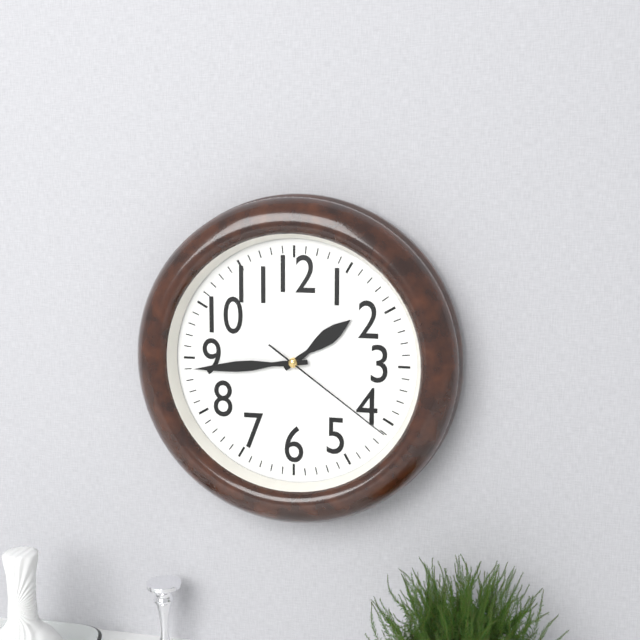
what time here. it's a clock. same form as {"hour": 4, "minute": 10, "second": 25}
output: {"hour": 1, "minute": 44, "second": 21}
